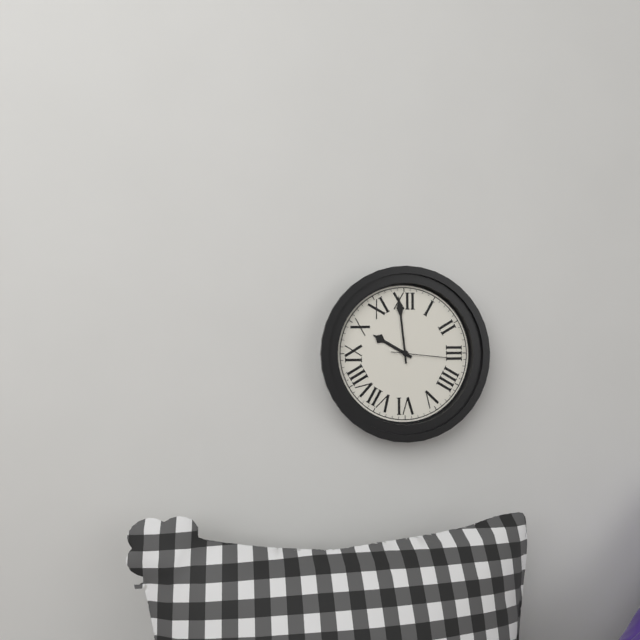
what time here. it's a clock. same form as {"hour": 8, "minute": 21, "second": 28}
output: {"hour": 9, "minute": 59, "second": 16}
